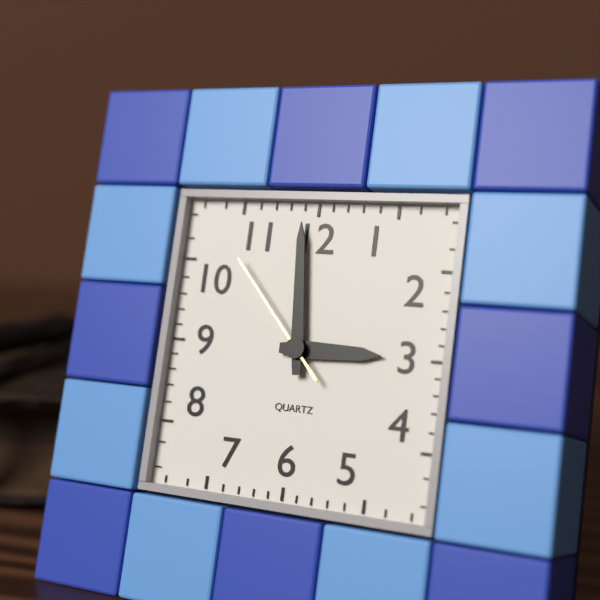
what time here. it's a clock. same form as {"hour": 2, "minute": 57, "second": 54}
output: {"hour": 2, "minute": 59, "second": 53}
